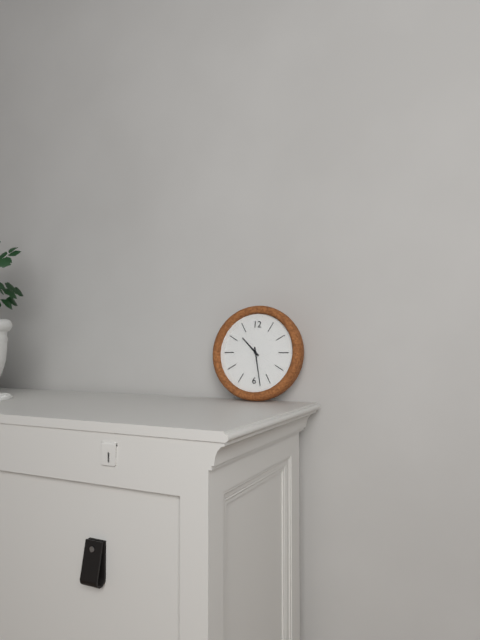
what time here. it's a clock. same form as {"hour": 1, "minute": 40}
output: {"hour": 10, "minute": 28}
